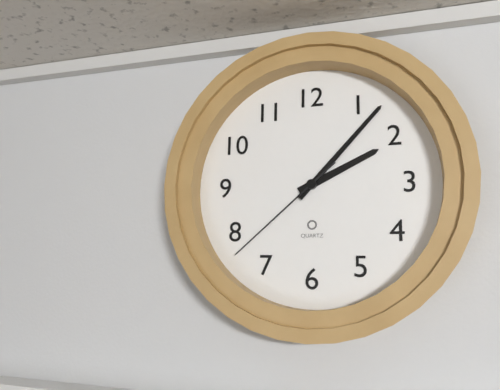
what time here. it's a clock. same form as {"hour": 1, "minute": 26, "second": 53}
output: {"hour": 2, "minute": 7, "second": 38}
